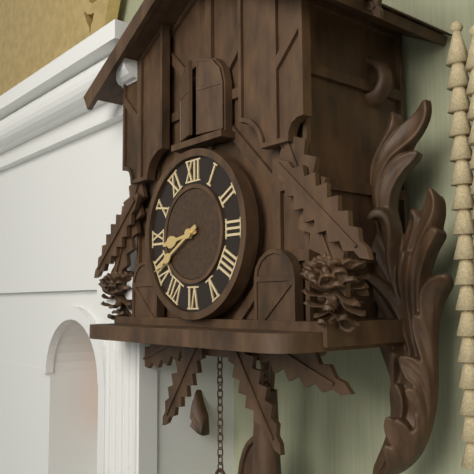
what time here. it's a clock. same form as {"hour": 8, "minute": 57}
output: {"hour": 8, "minute": 40}
